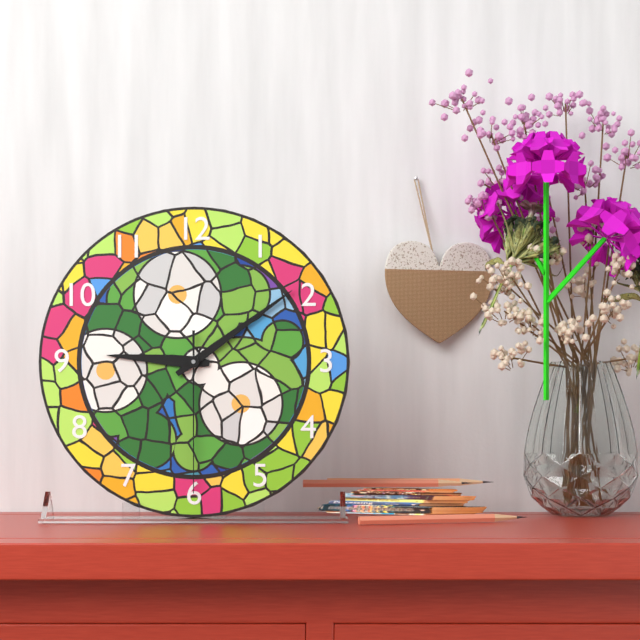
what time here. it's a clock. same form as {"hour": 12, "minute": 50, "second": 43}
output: {"hour": 9, "minute": 9, "second": 30}
